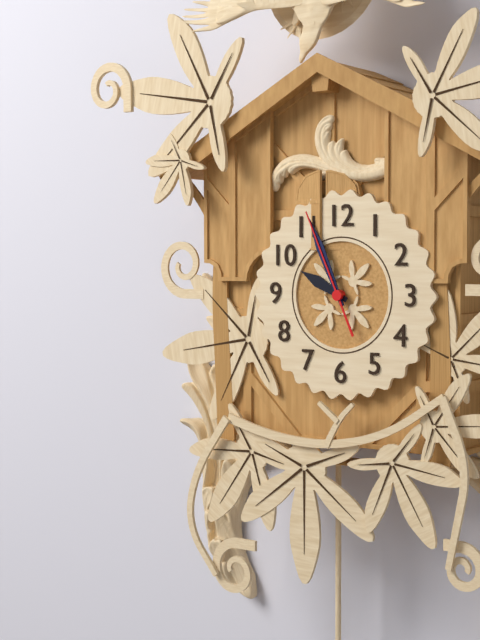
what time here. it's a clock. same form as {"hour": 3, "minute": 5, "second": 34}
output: {"hour": 9, "minute": 56, "second": 56}
